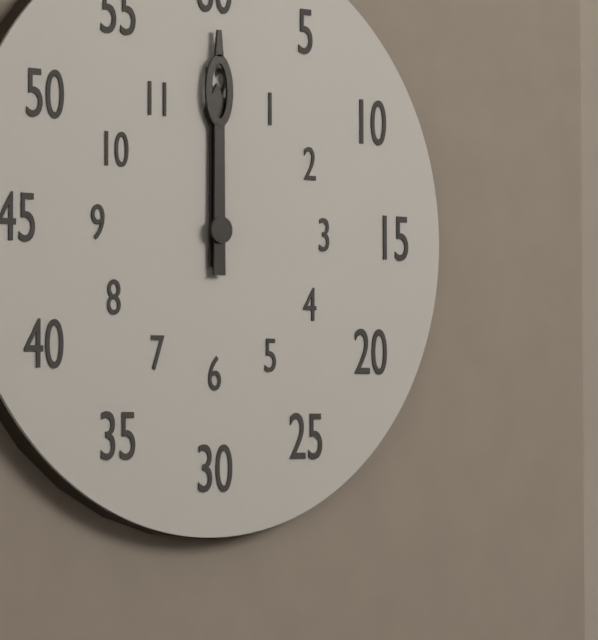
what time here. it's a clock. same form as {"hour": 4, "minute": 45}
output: {"hour": 12, "minute": 0}
